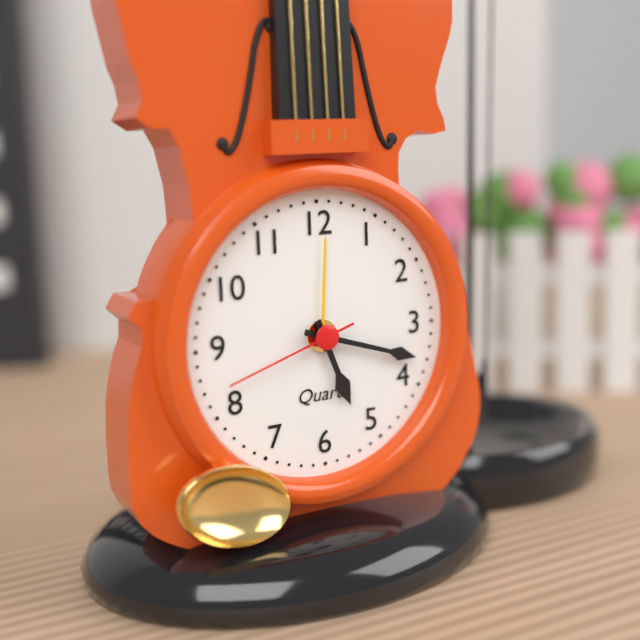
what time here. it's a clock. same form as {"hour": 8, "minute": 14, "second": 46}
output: {"hour": 5, "minute": 18, "second": 42}
